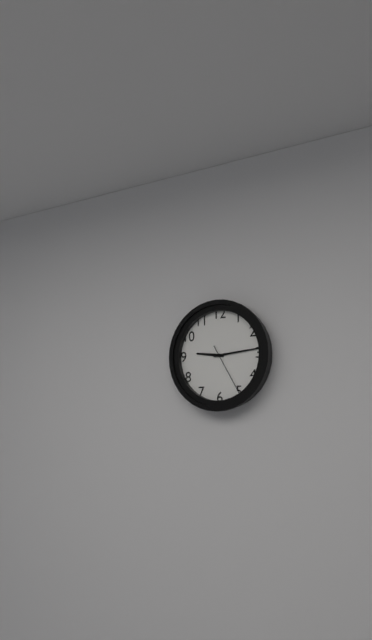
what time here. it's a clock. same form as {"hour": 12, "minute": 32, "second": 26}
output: {"hour": 9, "minute": 14, "second": 25}
